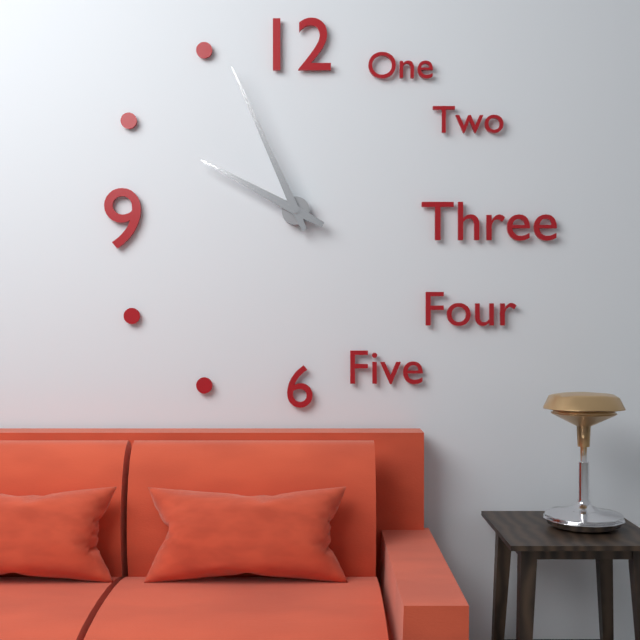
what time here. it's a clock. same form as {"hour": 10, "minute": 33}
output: {"hour": 9, "minute": 56}
